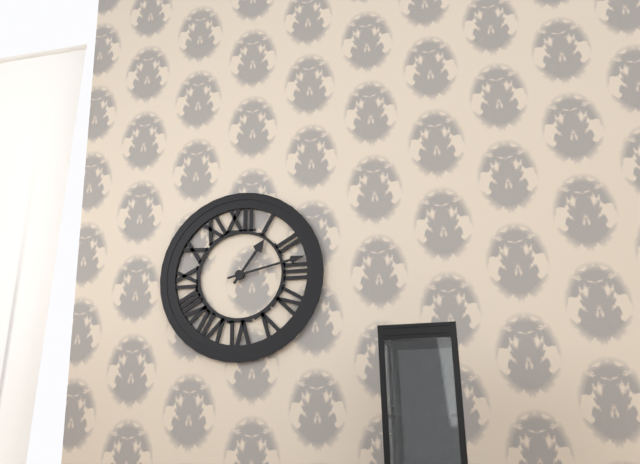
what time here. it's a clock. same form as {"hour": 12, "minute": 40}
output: {"hour": 1, "minute": 13}
